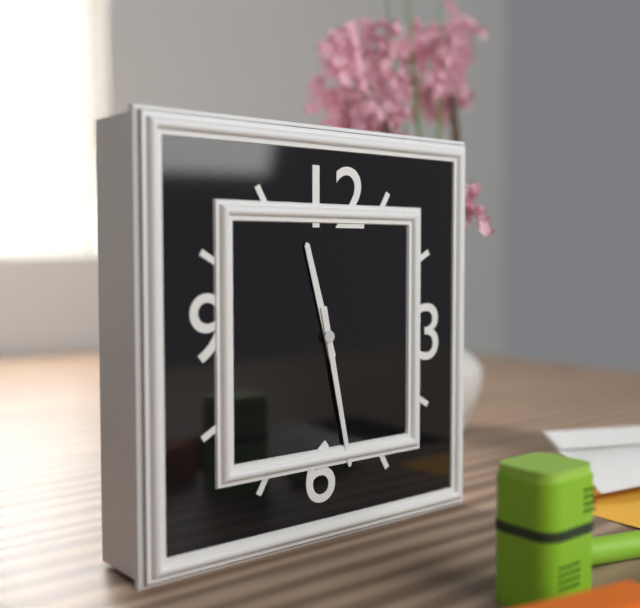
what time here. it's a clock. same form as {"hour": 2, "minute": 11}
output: {"hour": 11, "minute": 28}
